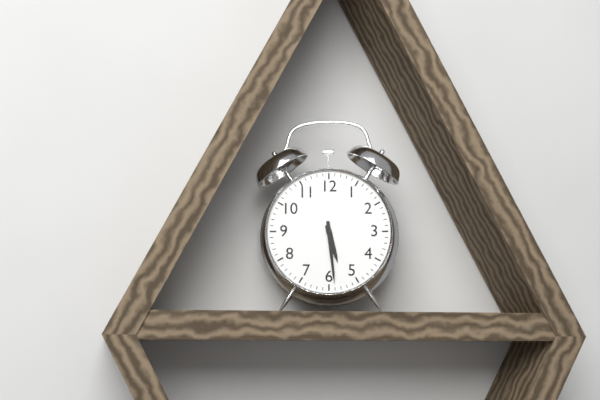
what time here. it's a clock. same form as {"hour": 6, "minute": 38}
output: {"hour": 5, "minute": 29}
